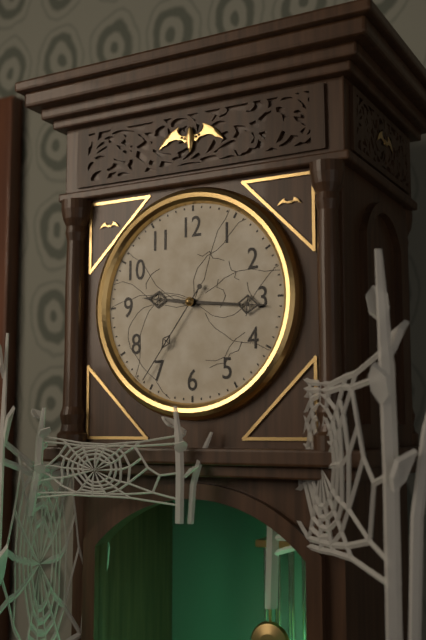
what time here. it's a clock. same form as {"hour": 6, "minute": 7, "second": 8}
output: {"hour": 9, "minute": 16, "second": 36}
